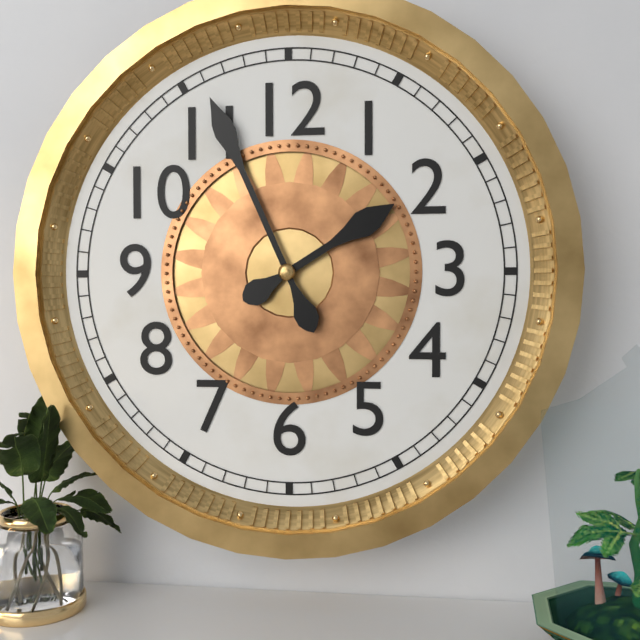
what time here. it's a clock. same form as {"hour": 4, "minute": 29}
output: {"hour": 1, "minute": 56}
